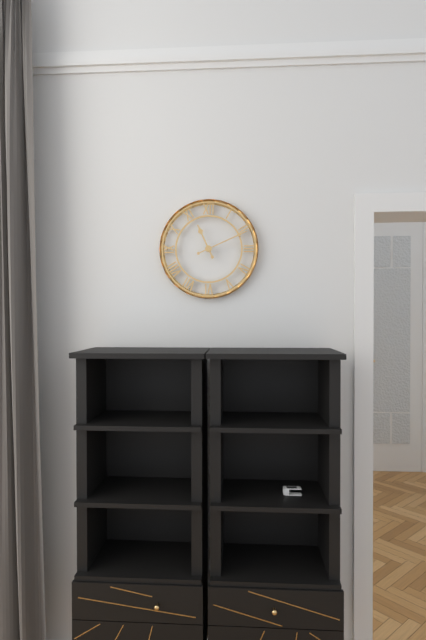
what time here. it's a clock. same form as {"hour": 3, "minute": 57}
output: {"hour": 11, "minute": 11}
